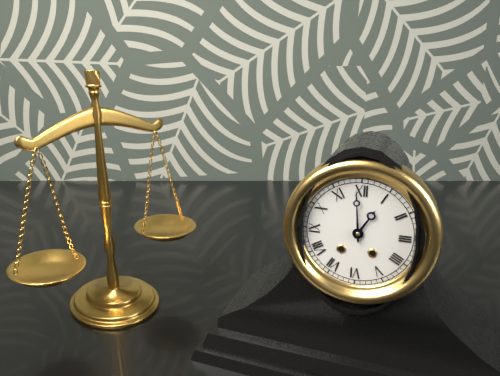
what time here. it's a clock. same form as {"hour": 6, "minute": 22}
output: {"hour": 12, "minute": 59}
